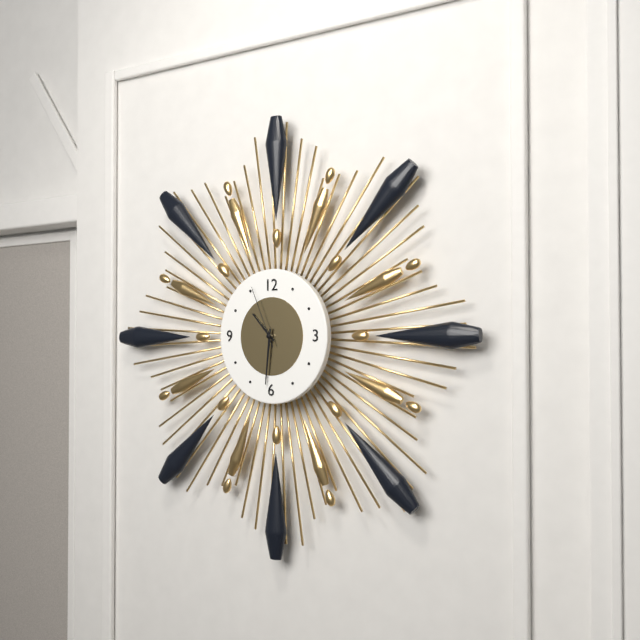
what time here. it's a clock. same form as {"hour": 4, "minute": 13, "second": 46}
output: {"hour": 10, "minute": 31, "second": 56}
